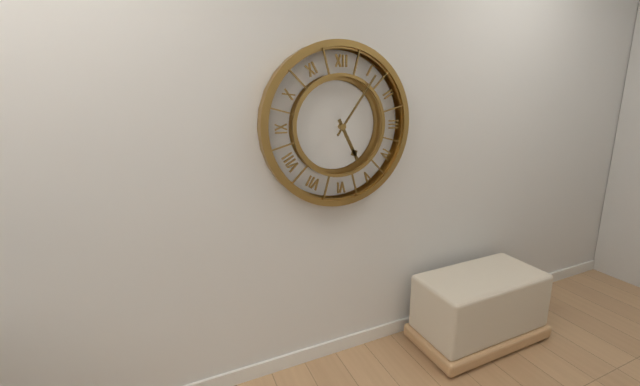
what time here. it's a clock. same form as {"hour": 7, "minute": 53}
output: {"hour": 5, "minute": 6}
